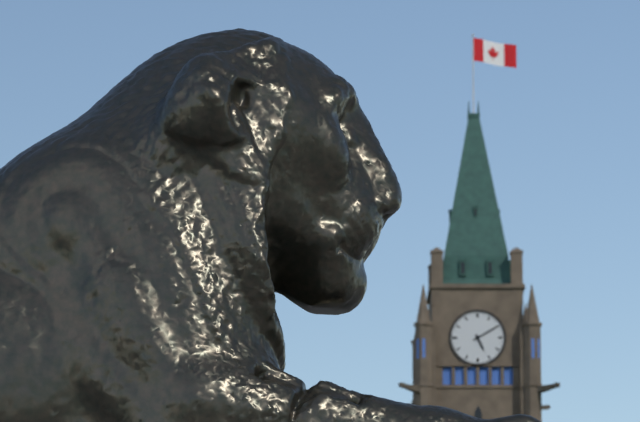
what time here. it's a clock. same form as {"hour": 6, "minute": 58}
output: {"hour": 5, "minute": 10}
